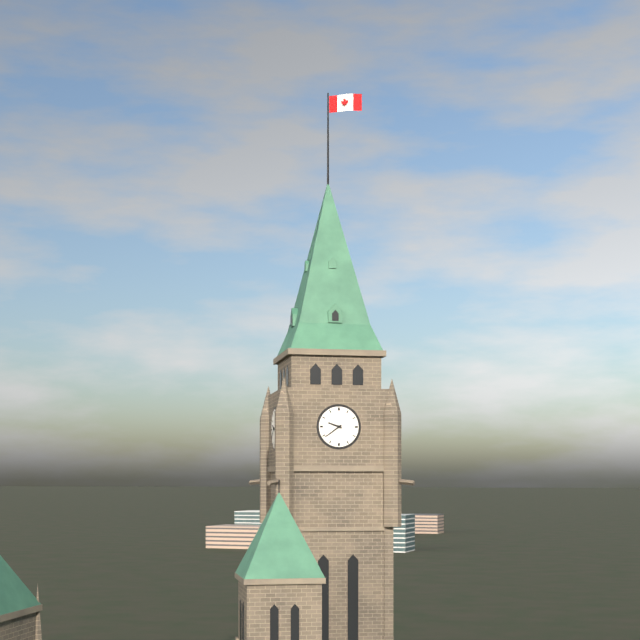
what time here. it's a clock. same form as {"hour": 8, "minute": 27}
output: {"hour": 9, "minute": 39}
